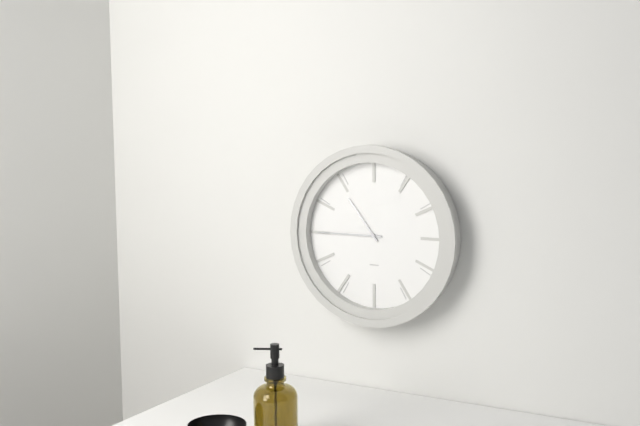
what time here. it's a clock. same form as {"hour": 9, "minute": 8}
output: {"hour": 10, "minute": 45}
